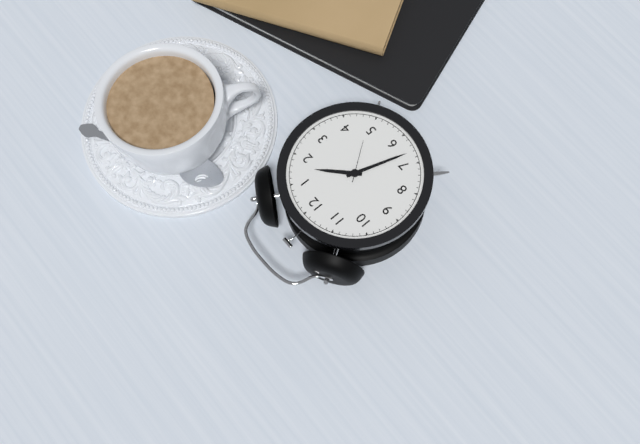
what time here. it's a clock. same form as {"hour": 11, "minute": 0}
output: {"hour": 1, "minute": 33}
